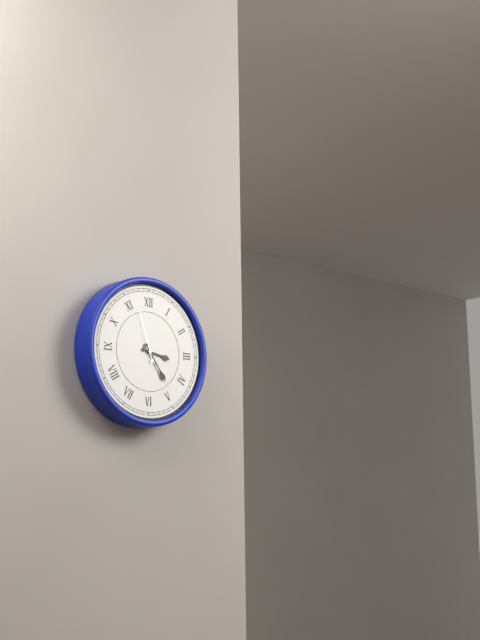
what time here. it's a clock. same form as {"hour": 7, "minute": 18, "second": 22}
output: {"hour": 3, "minute": 24, "second": 57}
